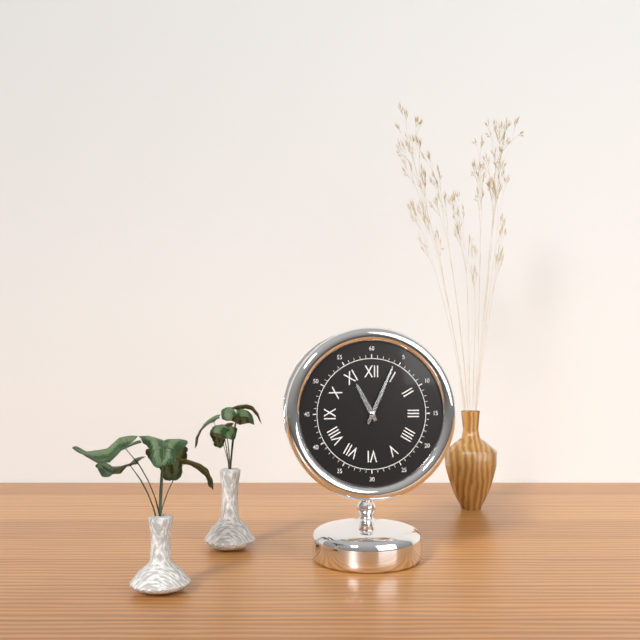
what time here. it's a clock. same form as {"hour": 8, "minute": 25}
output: {"hour": 11, "minute": 4}
